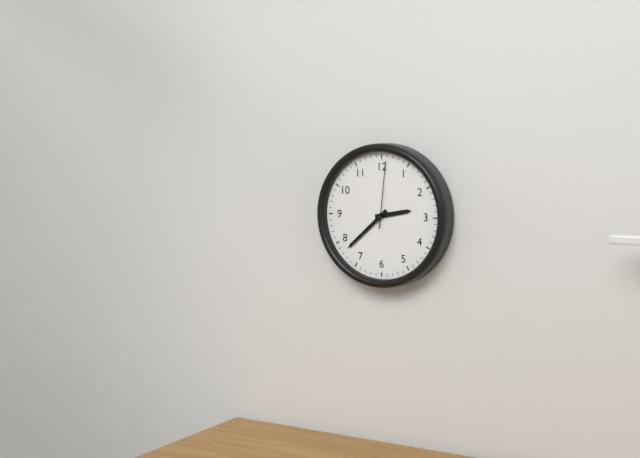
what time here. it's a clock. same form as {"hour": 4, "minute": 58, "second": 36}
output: {"hour": 2, "minute": 38, "second": 1}
